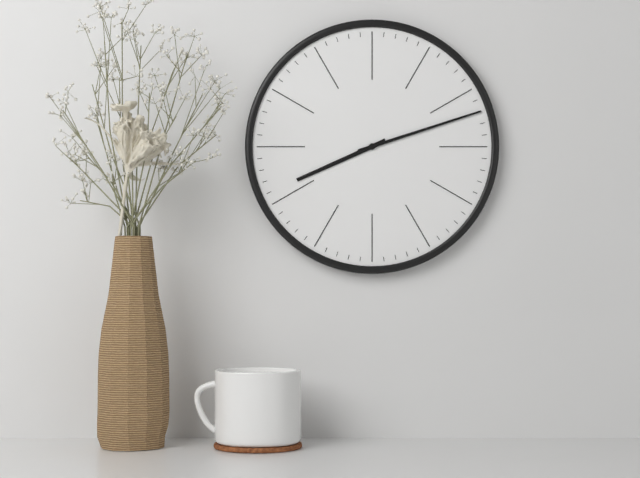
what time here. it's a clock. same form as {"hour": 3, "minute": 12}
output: {"hour": 8, "minute": 12}
